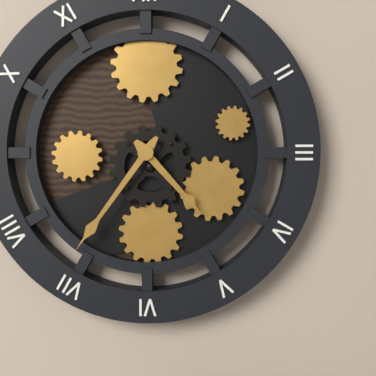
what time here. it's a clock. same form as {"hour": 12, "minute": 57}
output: {"hour": 4, "minute": 36}
